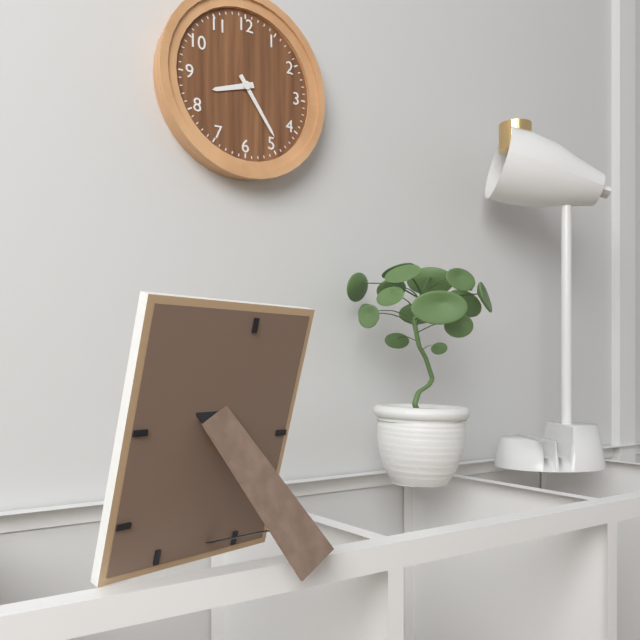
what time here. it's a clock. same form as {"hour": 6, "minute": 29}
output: {"hour": 8, "minute": 24}
